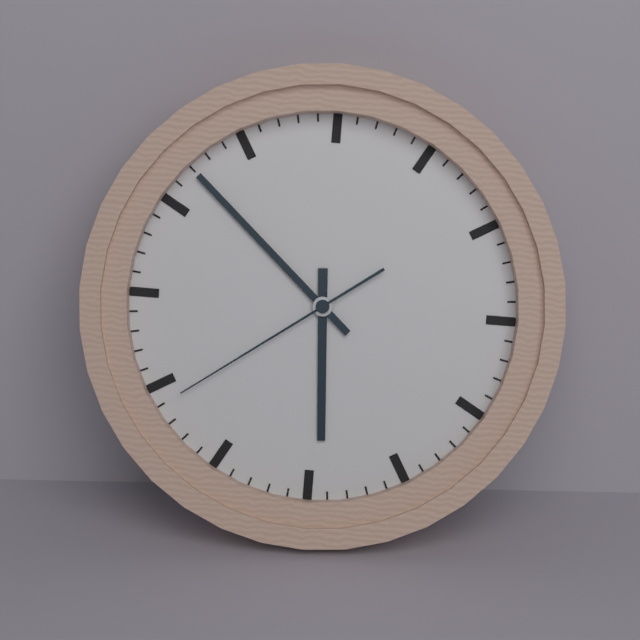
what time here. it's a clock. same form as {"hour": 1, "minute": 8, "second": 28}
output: {"hour": 5, "minute": 52, "second": 39}
